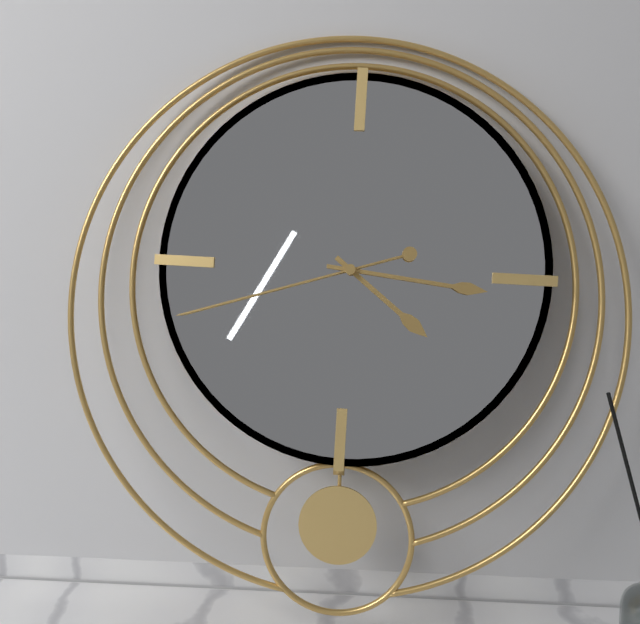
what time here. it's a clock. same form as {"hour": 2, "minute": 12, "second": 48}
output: {"hour": 4, "minute": 16, "second": 42}
